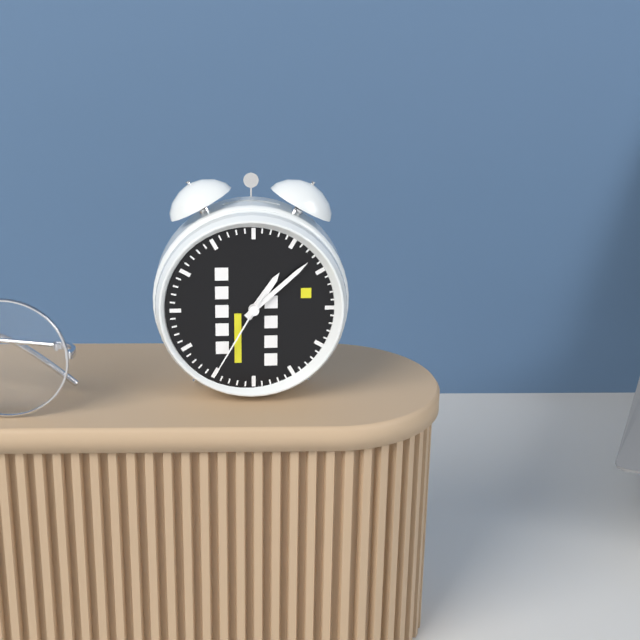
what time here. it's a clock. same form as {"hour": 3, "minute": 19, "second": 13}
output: {"hour": 1, "minute": 8, "second": 35}
